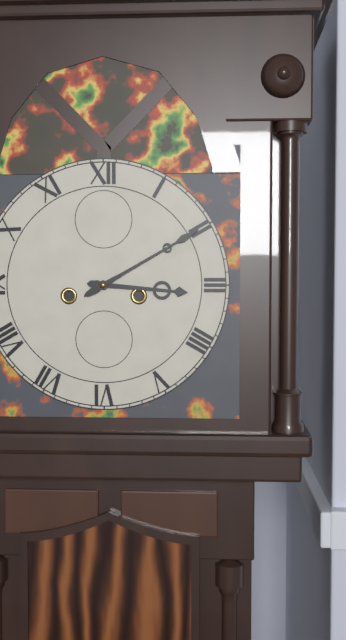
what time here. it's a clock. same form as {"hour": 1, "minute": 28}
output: {"hour": 3, "minute": 10}
